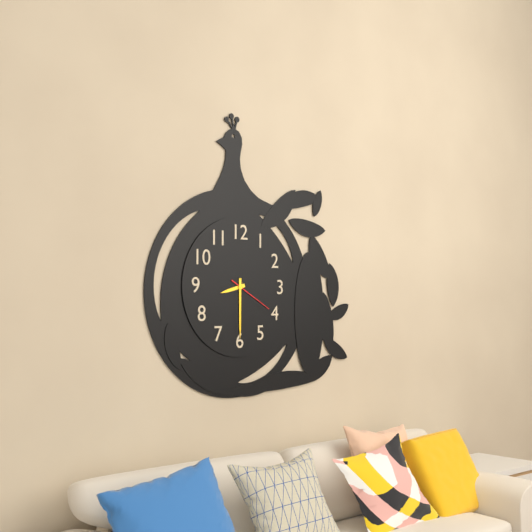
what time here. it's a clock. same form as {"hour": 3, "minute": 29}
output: {"hour": 8, "minute": 30}
